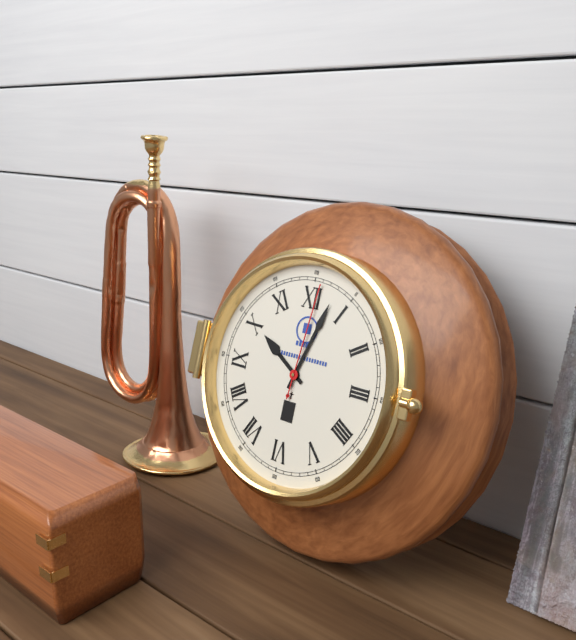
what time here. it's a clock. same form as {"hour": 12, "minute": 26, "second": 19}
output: {"hour": 10, "minute": 3, "second": 1}
